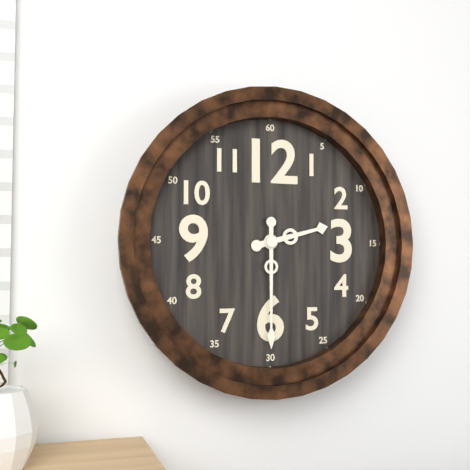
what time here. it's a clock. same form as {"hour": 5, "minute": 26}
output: {"hour": 2, "minute": 30}
